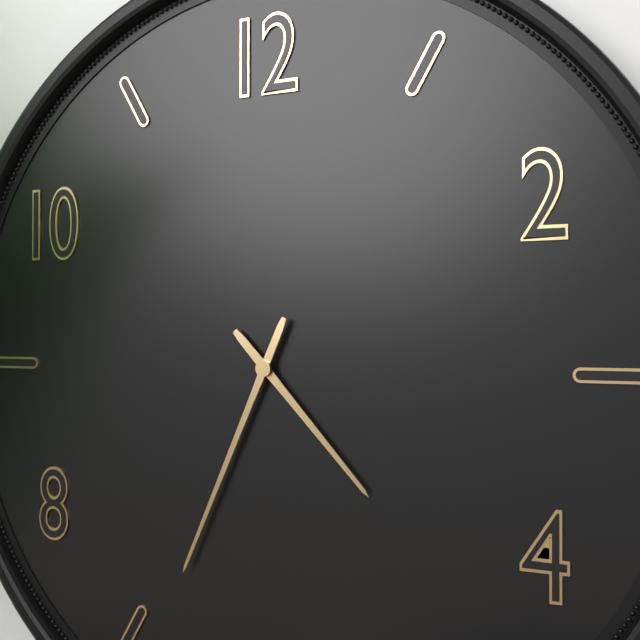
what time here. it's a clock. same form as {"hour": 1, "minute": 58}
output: {"hour": 4, "minute": 34}
